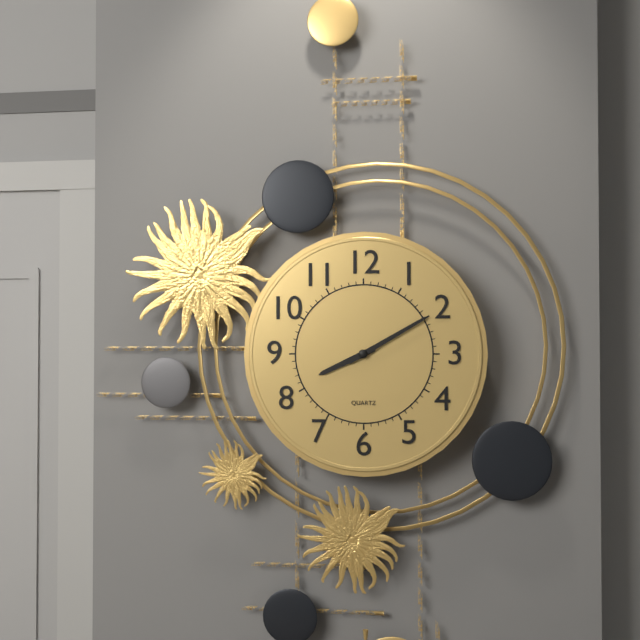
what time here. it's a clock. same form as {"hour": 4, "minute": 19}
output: {"hour": 8, "minute": 10}
